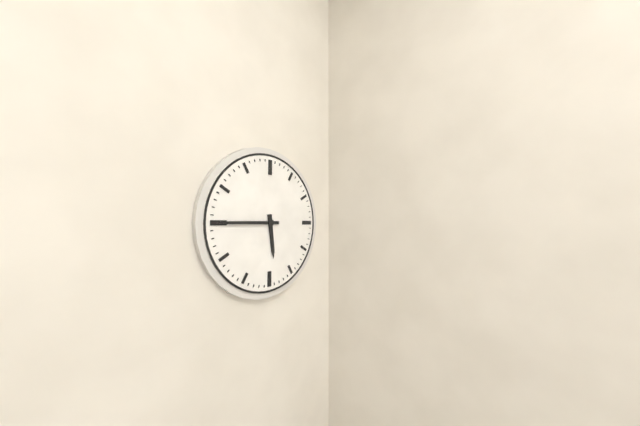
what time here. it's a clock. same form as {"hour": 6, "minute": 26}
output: {"hour": 5, "minute": 45}
